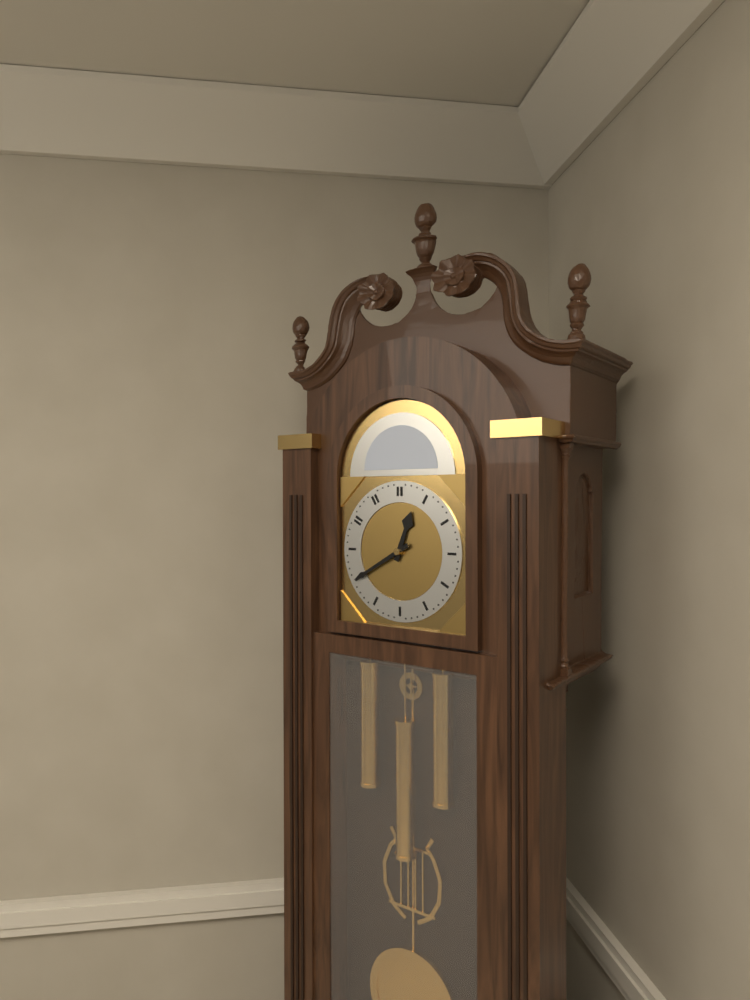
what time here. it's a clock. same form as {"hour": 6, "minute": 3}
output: {"hour": 12, "minute": 40}
